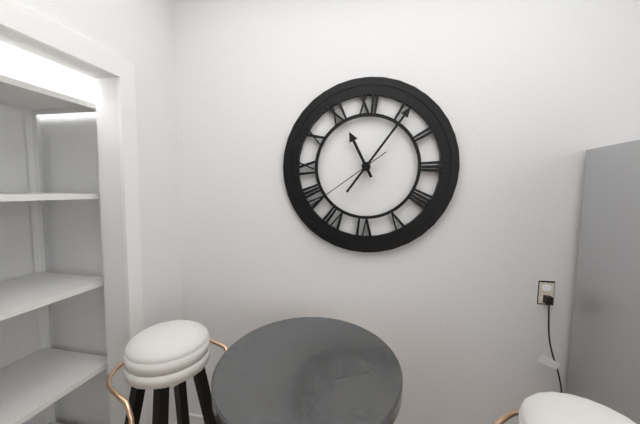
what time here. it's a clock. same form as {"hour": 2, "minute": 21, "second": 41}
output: {"hour": 11, "minute": 6, "second": 39}
